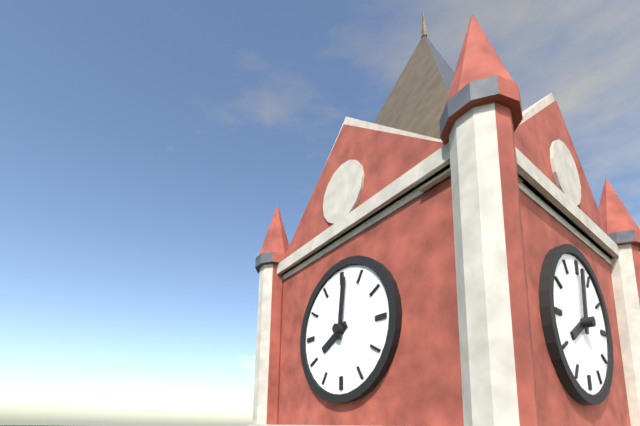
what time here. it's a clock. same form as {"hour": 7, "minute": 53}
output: {"hour": 8, "minute": 1}
